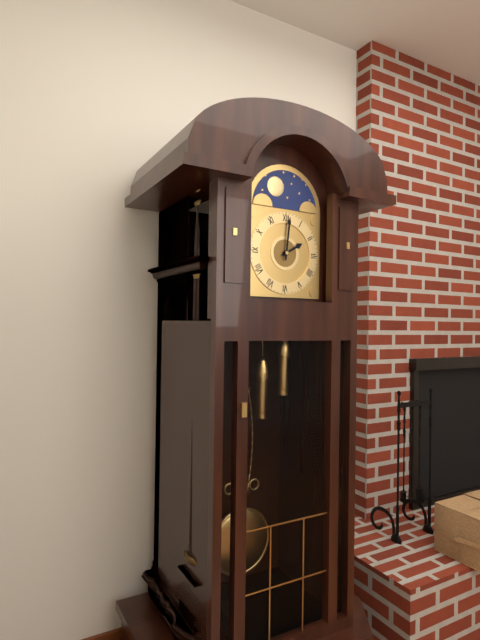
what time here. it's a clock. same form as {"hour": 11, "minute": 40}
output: {"hour": 2, "minute": 1}
